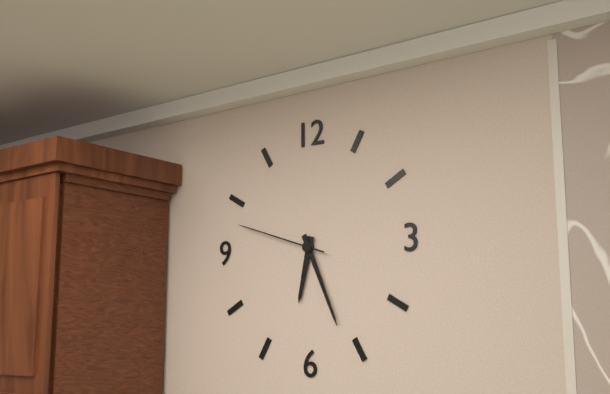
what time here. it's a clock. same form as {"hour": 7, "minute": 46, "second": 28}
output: {"hour": 6, "minute": 26, "second": 48}
